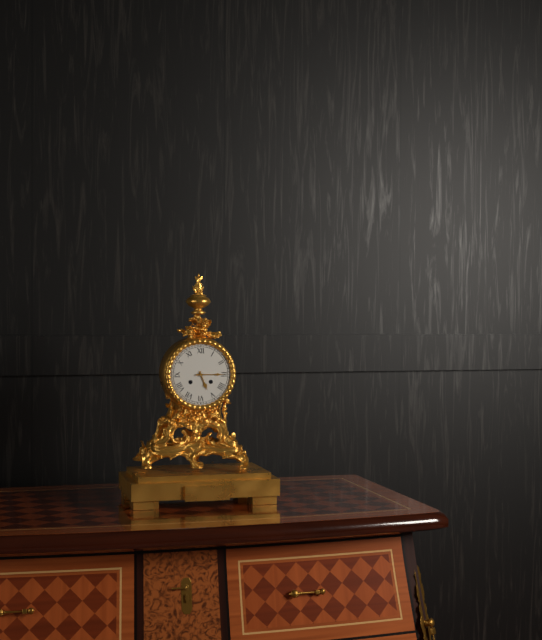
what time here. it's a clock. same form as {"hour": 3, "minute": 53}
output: {"hour": 5, "minute": 15}
